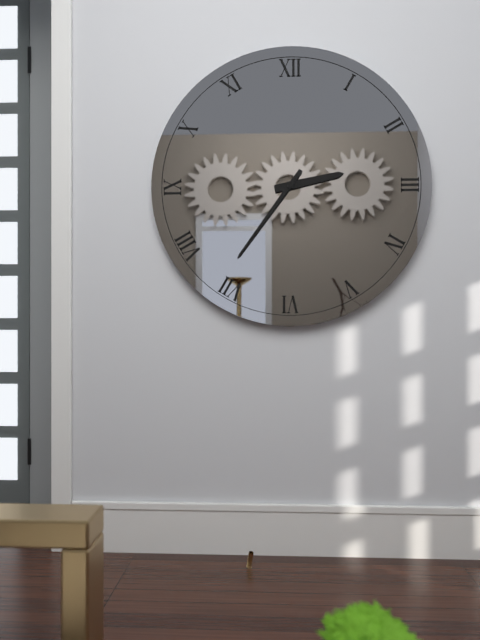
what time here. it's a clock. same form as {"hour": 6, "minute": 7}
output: {"hour": 2, "minute": 36}
